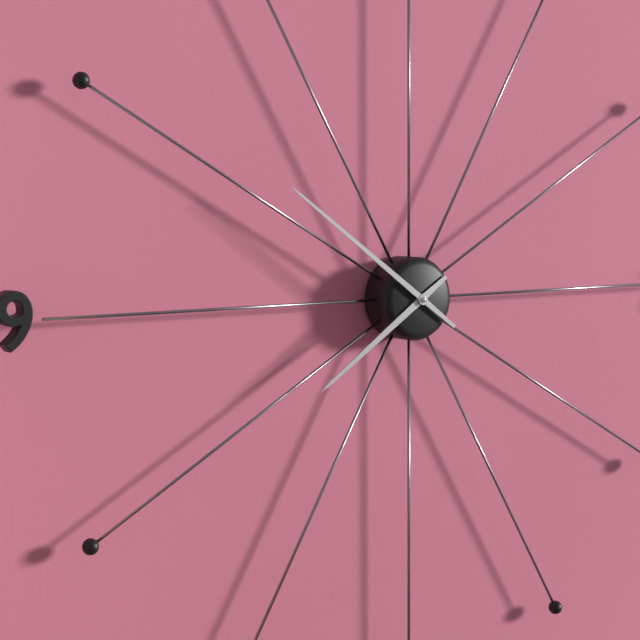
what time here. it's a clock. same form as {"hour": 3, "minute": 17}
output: {"hour": 7, "minute": 51}
